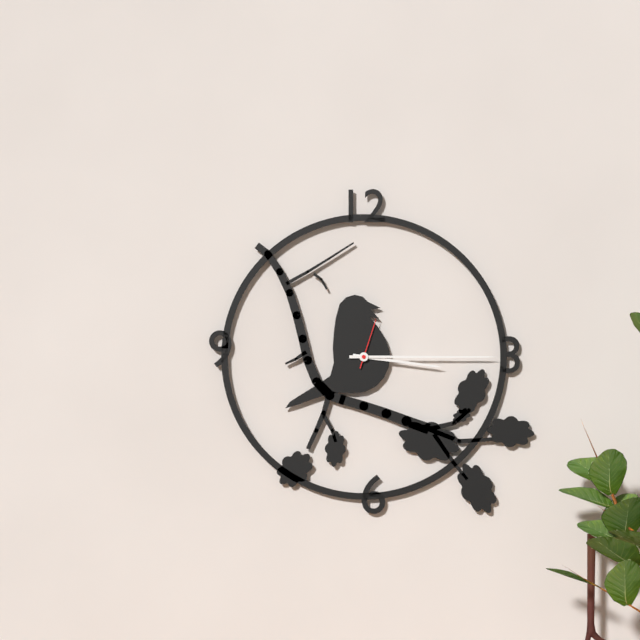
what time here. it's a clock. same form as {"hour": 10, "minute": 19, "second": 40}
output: {"hour": 3, "minute": 15, "second": 3}
